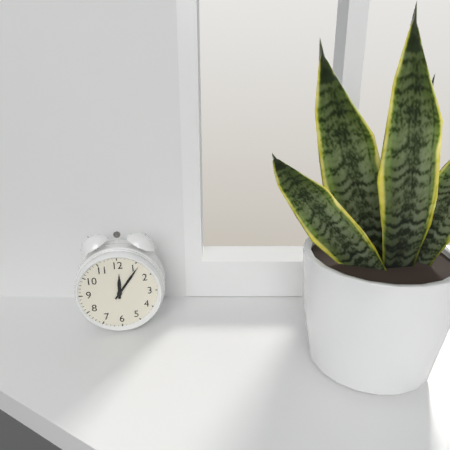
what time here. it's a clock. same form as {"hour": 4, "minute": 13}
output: {"hour": 12, "minute": 6}
